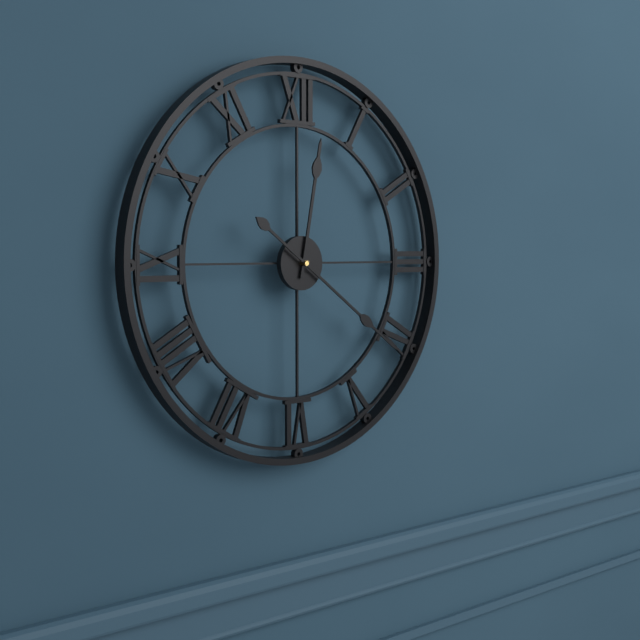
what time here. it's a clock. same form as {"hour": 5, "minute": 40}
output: {"hour": 12, "minute": 21}
